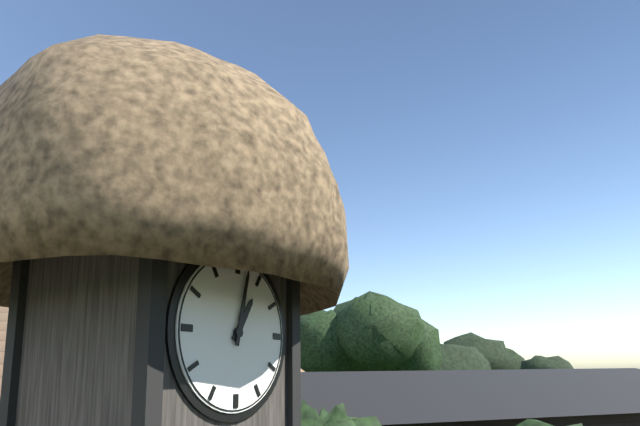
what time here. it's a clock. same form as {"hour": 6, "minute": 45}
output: {"hour": 1, "minute": 2}
